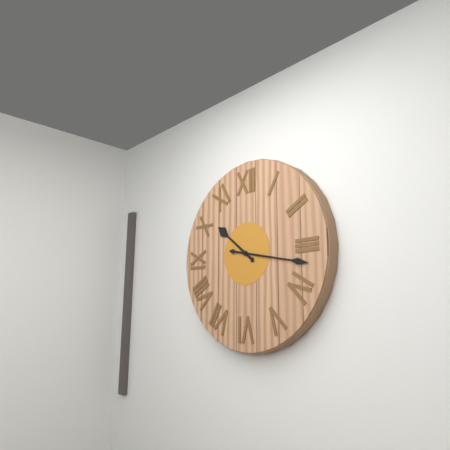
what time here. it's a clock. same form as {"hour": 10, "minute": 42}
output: {"hour": 10, "minute": 17}
